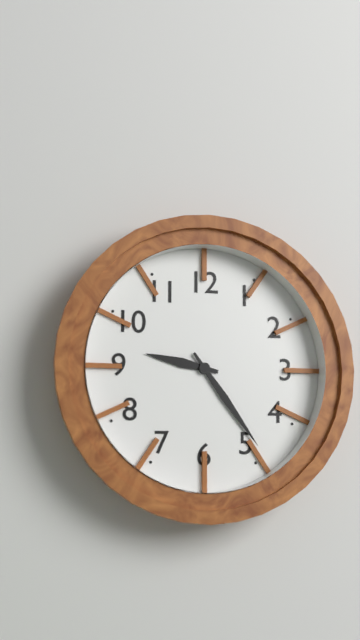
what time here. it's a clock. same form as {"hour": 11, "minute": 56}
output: {"hour": 9, "minute": 24}
